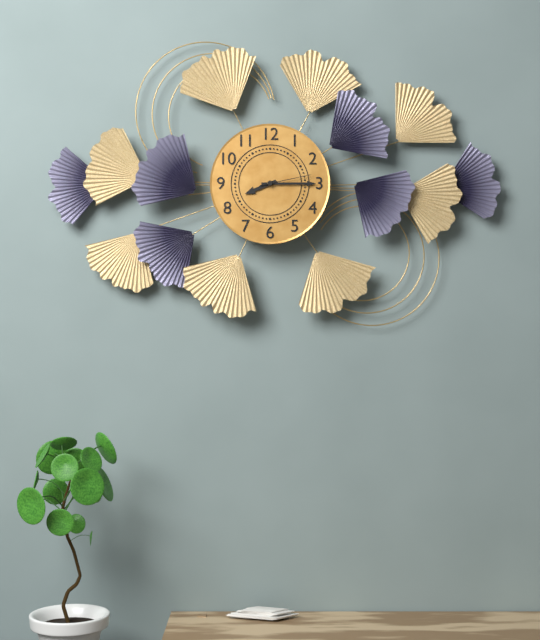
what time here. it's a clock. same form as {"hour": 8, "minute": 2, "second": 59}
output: {"hour": 8, "minute": 15, "second": 13}
